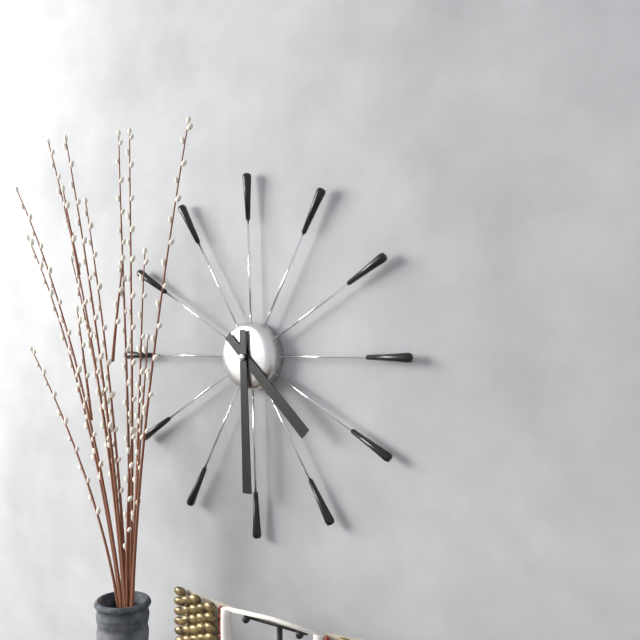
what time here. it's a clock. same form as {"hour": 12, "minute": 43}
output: {"hour": 4, "minute": 30}
